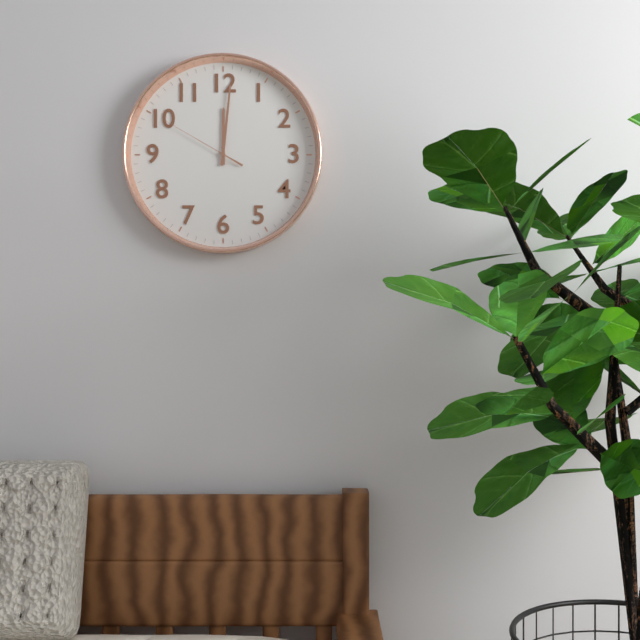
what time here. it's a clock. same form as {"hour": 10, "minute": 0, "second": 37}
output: {"hour": 12, "minute": 1, "second": 50}
